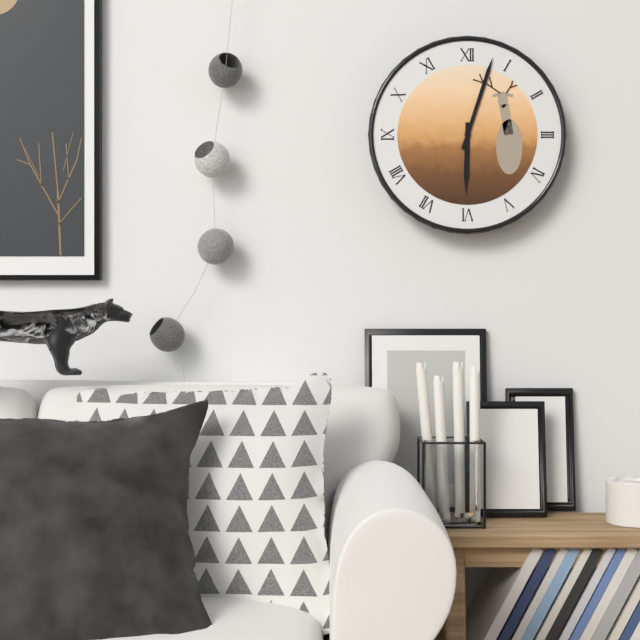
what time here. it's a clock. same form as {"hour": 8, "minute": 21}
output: {"hour": 6, "minute": 3}
